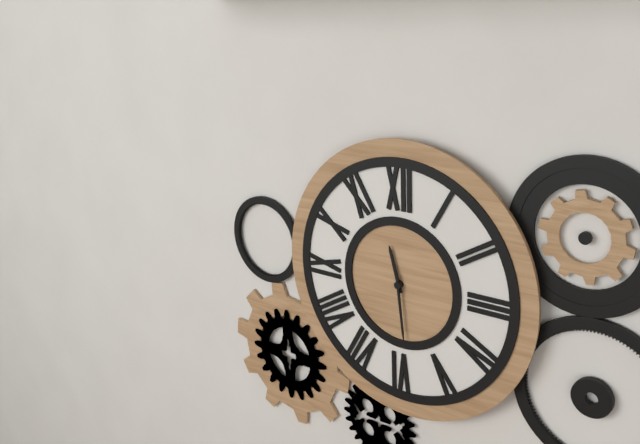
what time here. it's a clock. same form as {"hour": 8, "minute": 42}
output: {"hour": 11, "minute": 29}
